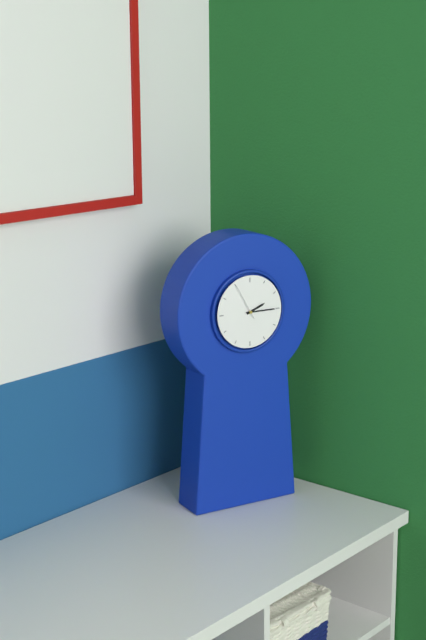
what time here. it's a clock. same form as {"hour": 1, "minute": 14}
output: {"hour": 2, "minute": 15}
